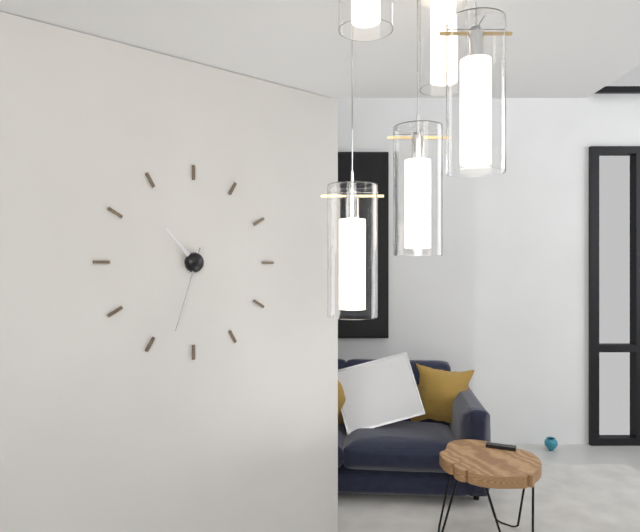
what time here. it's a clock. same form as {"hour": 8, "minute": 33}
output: {"hour": 10, "minute": 33}
